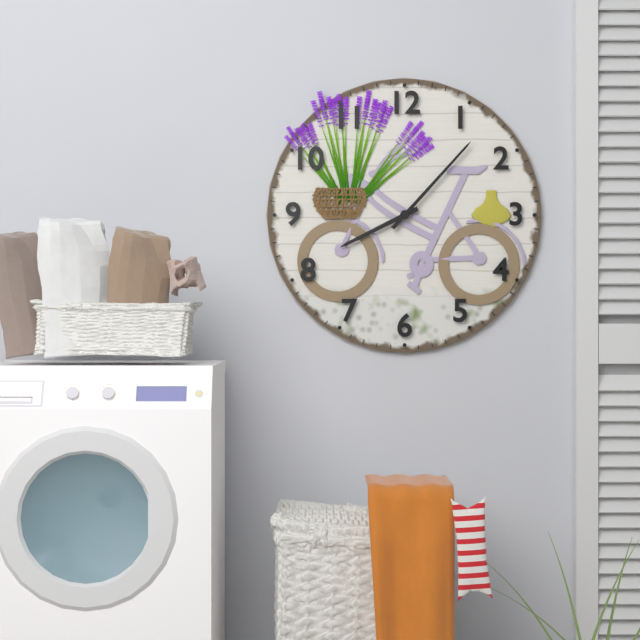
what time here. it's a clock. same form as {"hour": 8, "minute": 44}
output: {"hour": 8, "minute": 7}
